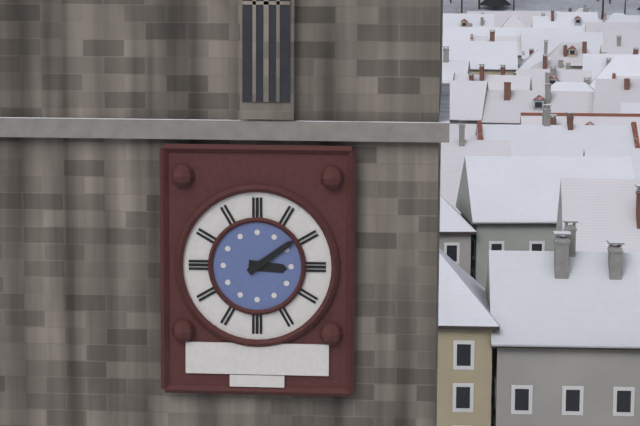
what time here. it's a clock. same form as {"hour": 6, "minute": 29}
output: {"hour": 3, "minute": 9}
